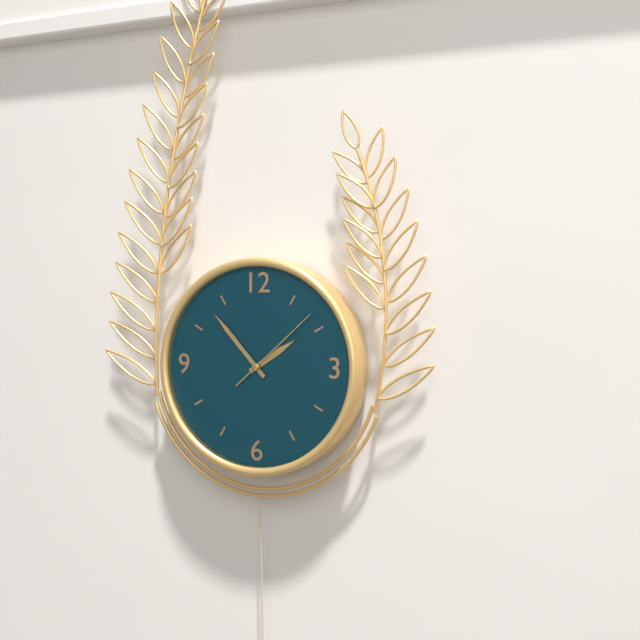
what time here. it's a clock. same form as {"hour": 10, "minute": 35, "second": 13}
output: {"hour": 1, "minute": 53, "second": 8}
